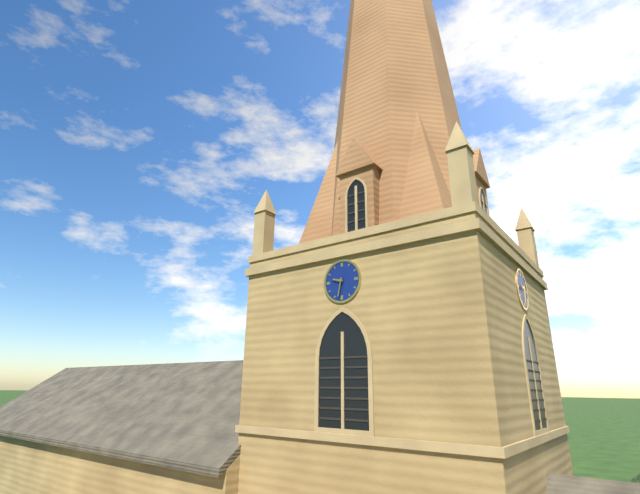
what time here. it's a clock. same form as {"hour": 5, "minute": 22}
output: {"hour": 9, "minute": 32}
